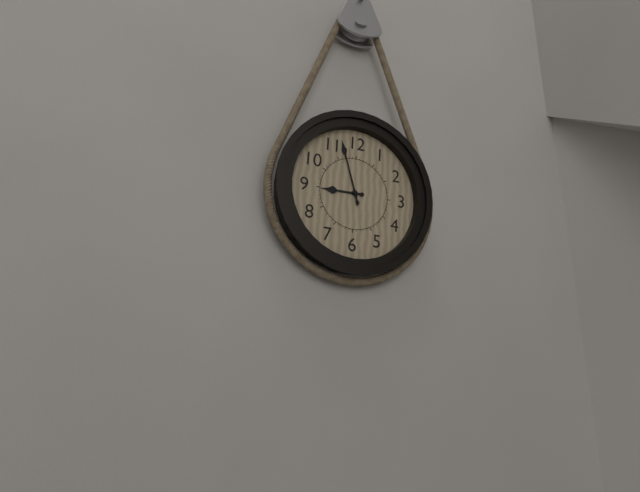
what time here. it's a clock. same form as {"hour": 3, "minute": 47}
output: {"hour": 8, "minute": 57}
